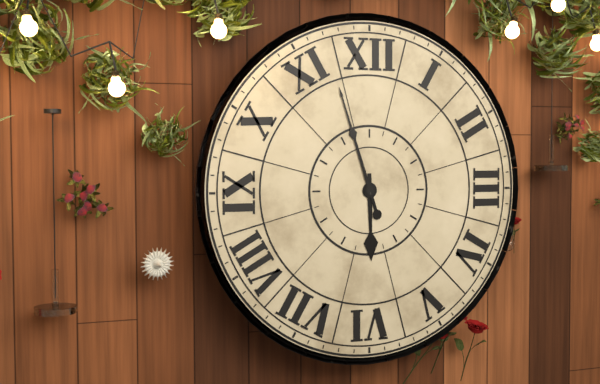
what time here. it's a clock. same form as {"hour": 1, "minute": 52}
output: {"hour": 5, "minute": 57}
